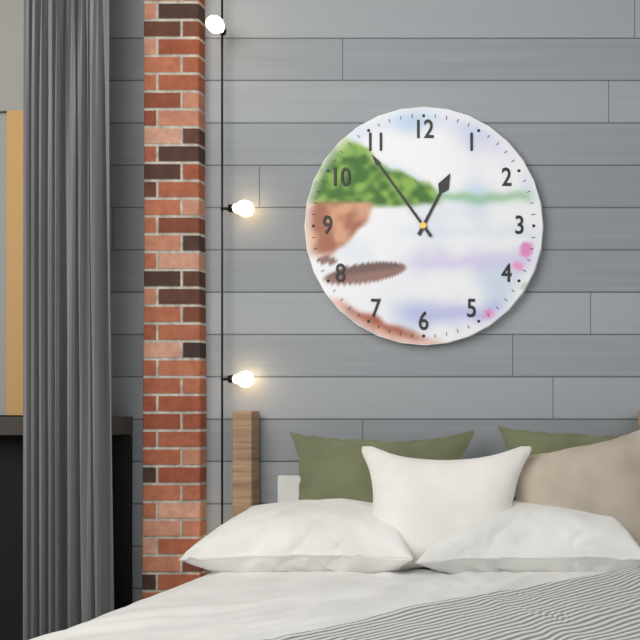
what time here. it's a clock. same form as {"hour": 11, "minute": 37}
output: {"hour": 12, "minute": 54}
